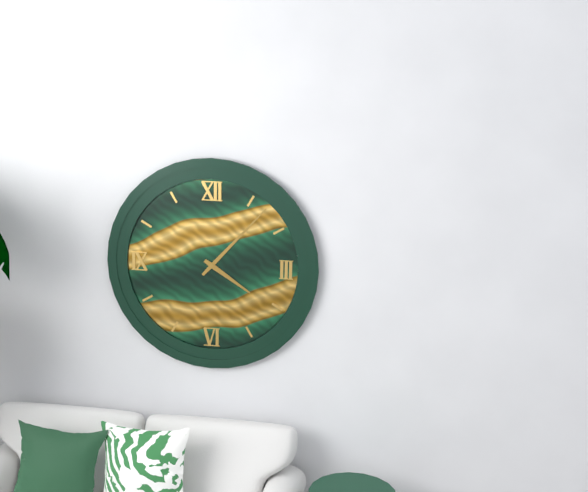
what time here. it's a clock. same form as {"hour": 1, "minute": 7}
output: {"hour": 4, "minute": 7}
